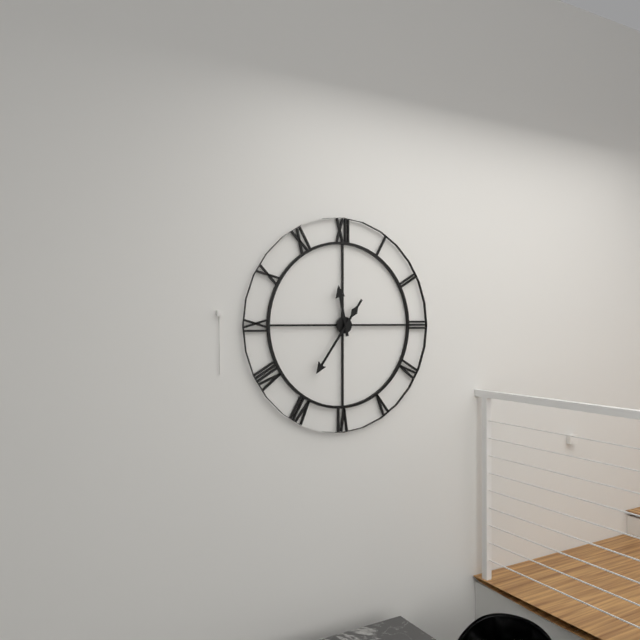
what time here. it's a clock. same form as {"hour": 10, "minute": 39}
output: {"hour": 11, "minute": 36}
